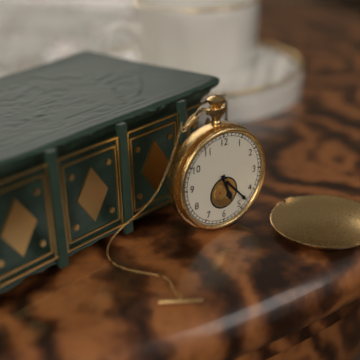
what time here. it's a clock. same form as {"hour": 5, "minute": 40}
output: {"hour": 5, "minute": 23}
